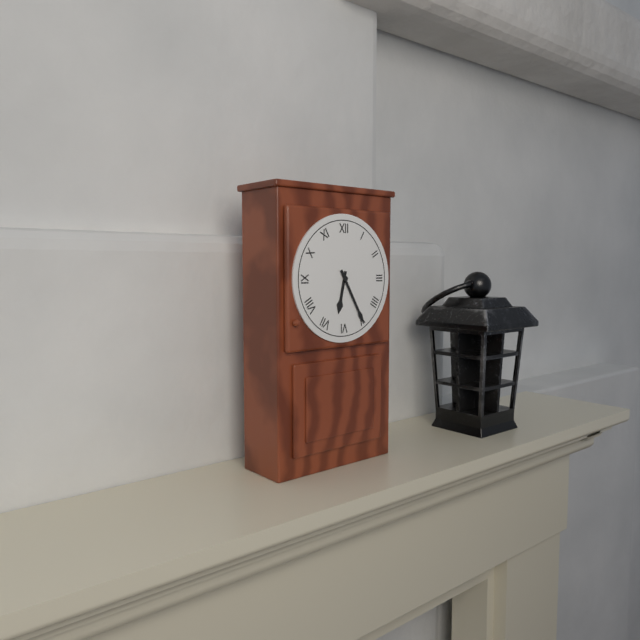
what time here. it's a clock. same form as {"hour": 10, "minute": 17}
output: {"hour": 6, "minute": 25}
